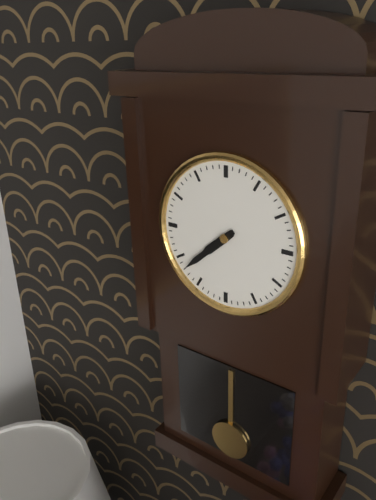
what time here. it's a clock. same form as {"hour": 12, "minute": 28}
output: {"hour": 7, "minute": 38}
